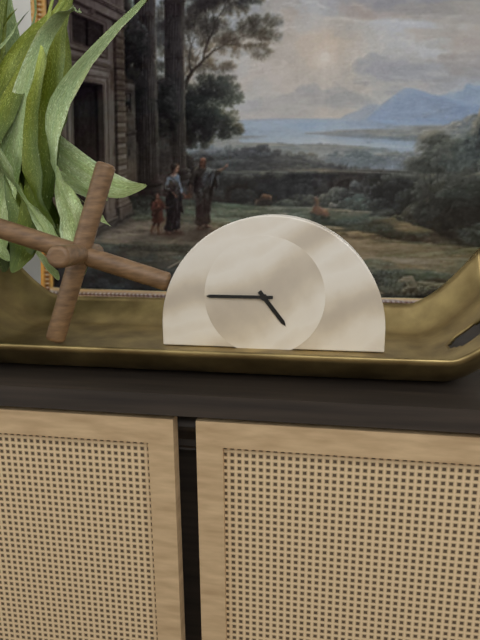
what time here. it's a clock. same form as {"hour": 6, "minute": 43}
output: {"hour": 4, "minute": 45}
